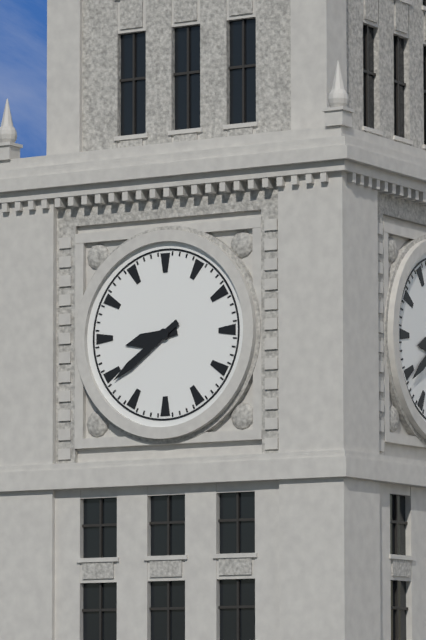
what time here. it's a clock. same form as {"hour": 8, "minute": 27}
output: {"hour": 8, "minute": 39}
